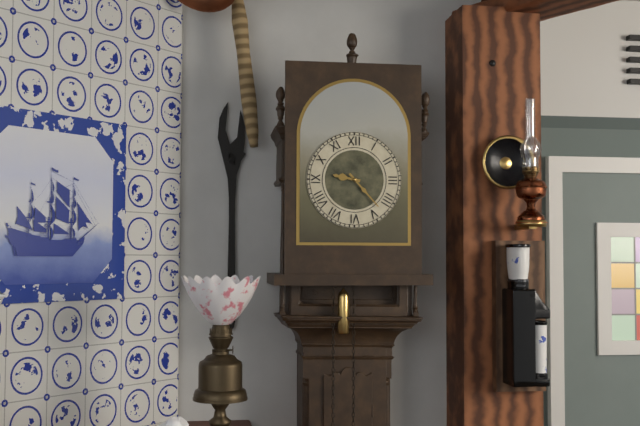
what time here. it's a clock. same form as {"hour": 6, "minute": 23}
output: {"hour": 9, "minute": 23}
